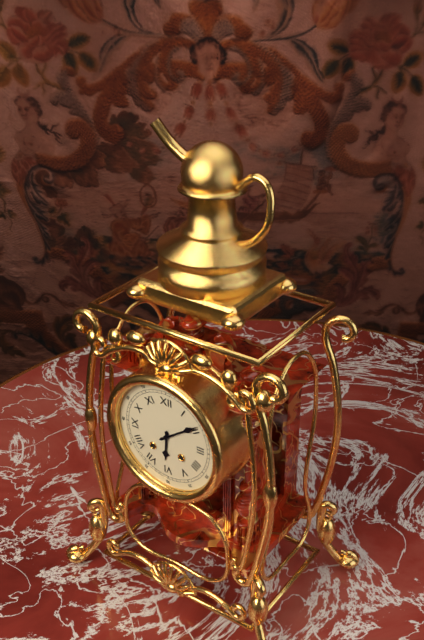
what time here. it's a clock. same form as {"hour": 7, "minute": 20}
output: {"hour": 6, "minute": 9}
